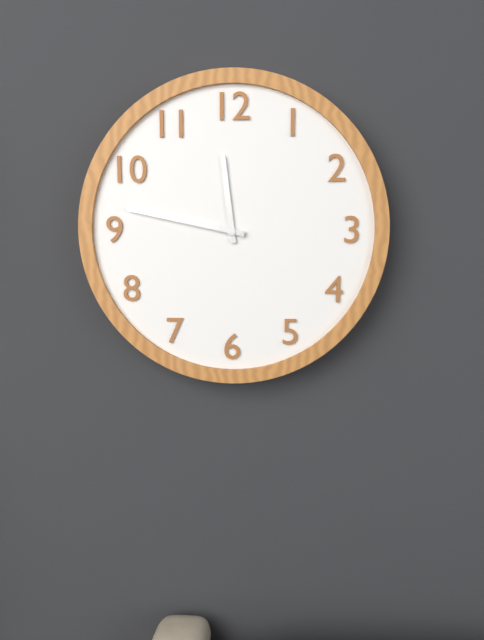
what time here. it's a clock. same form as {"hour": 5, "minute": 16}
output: {"hour": 11, "minute": 47}
